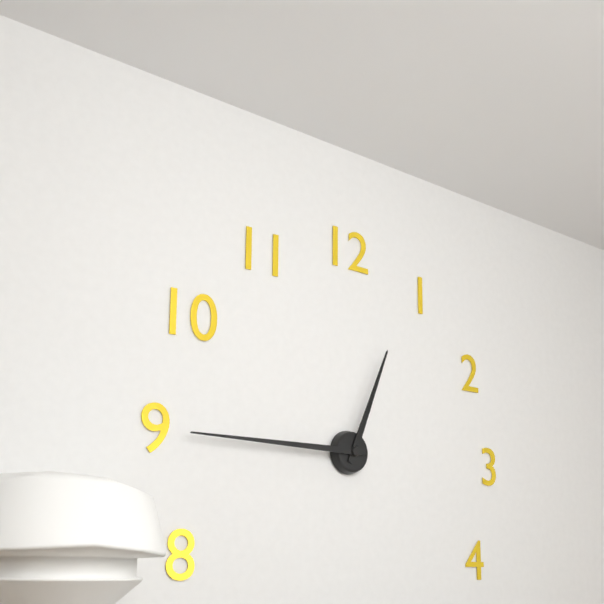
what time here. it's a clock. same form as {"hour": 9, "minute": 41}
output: {"hour": 12, "minute": 45}
